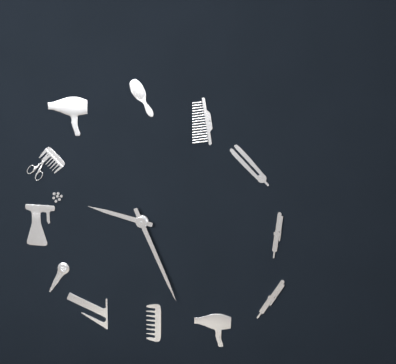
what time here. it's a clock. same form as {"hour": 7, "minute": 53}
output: {"hour": 9, "minute": 26}
